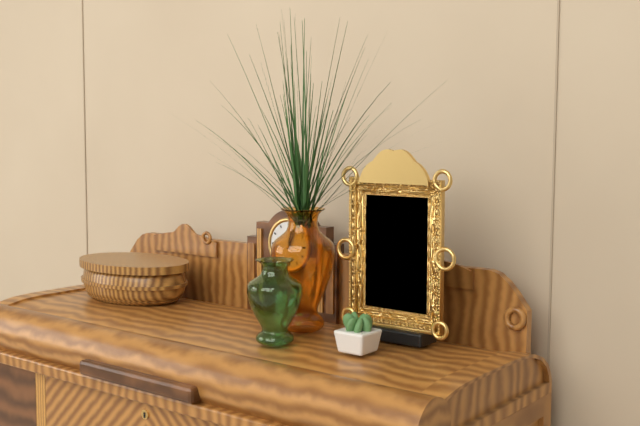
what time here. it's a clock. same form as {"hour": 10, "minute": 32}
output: {"hour": 12, "minute": 4}
